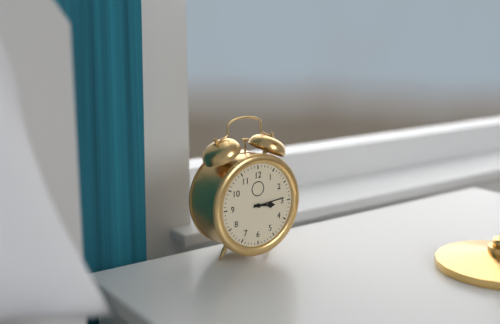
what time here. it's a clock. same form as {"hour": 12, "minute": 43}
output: {"hour": 3, "minute": 14}
